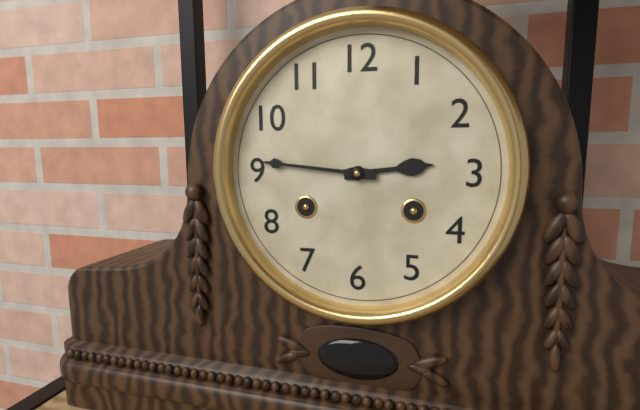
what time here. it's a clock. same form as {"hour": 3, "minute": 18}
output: {"hour": 2, "minute": 46}
